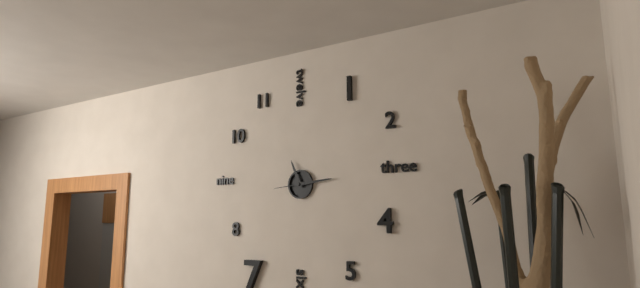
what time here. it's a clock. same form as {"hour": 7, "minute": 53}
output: {"hour": 11, "minute": 14}
